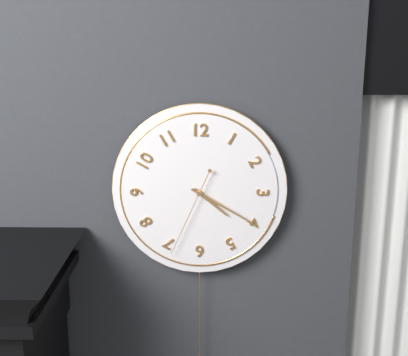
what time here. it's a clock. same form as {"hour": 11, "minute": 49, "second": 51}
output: {"hour": 4, "minute": 20, "second": 34}
